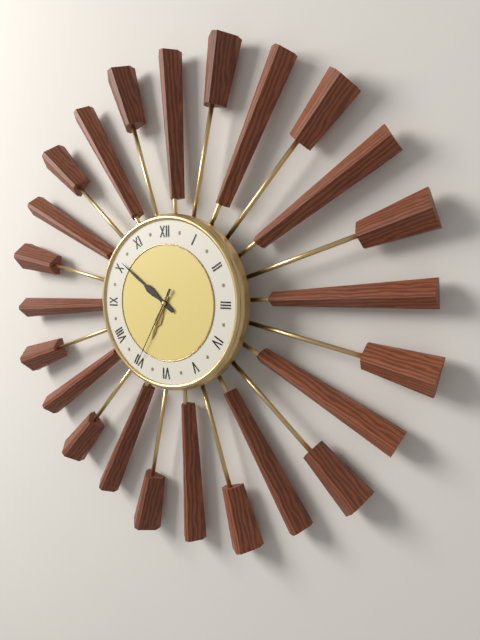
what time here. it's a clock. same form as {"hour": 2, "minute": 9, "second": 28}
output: {"hour": 6, "minute": 51, "second": 35}
